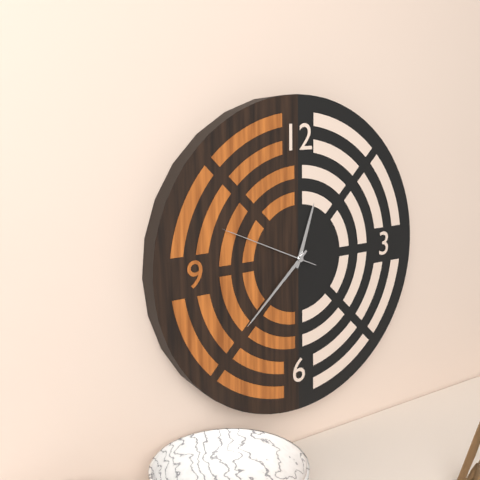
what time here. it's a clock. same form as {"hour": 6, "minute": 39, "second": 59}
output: {"hour": 12, "minute": 38, "second": 49}
